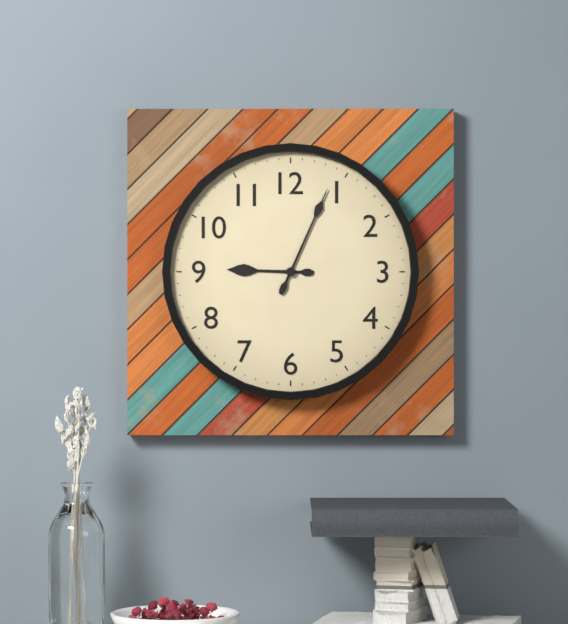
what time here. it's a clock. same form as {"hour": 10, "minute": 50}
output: {"hour": 9, "minute": 4}
